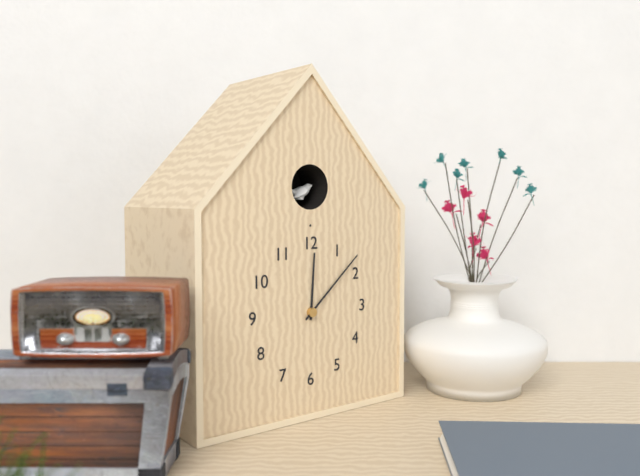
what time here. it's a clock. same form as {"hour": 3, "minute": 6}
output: {"hour": 12, "minute": 8}
